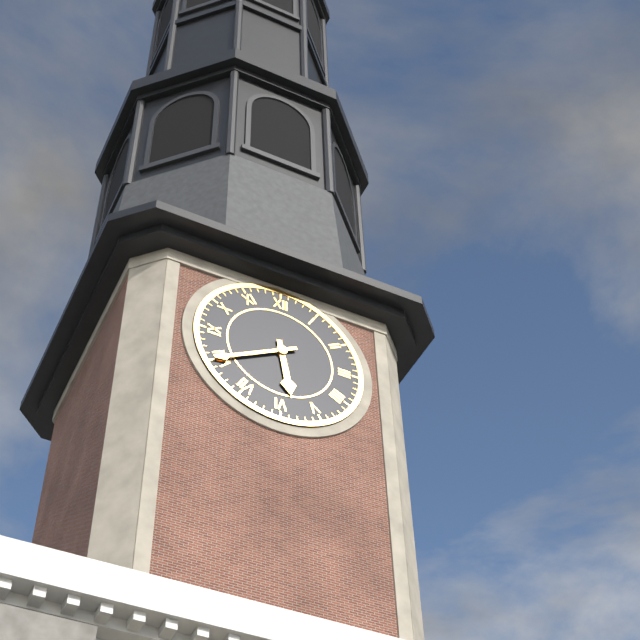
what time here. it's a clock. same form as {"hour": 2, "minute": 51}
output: {"hour": 5, "minute": 40}
